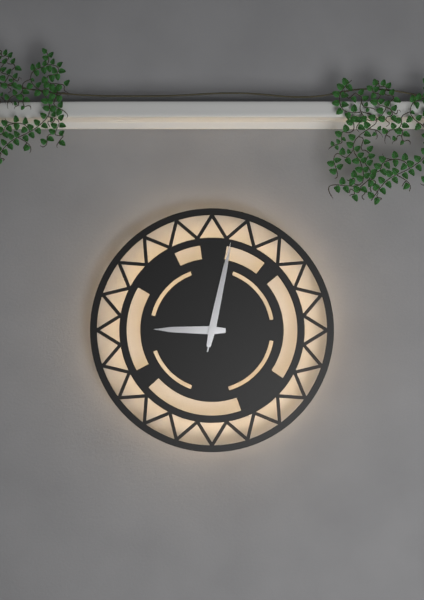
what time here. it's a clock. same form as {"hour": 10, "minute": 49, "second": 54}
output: {"hour": 9, "minute": 2, "second": 2}
